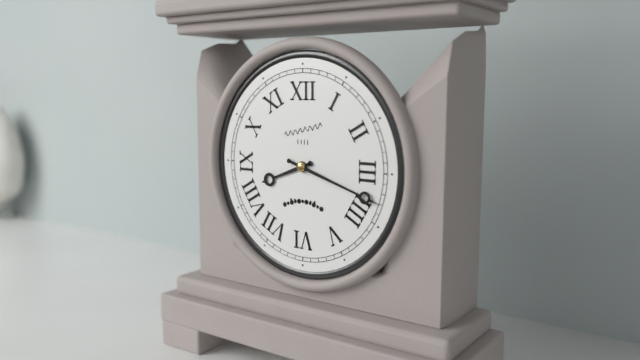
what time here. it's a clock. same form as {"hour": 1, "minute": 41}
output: {"hour": 8, "minute": 18}
